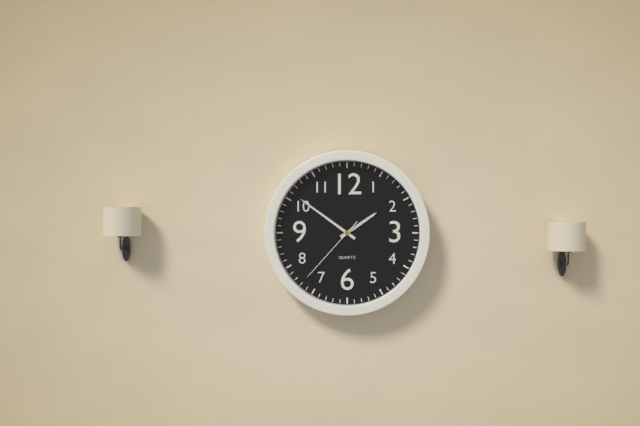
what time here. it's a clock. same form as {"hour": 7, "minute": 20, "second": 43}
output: {"hour": 1, "minute": 51, "second": 37}
